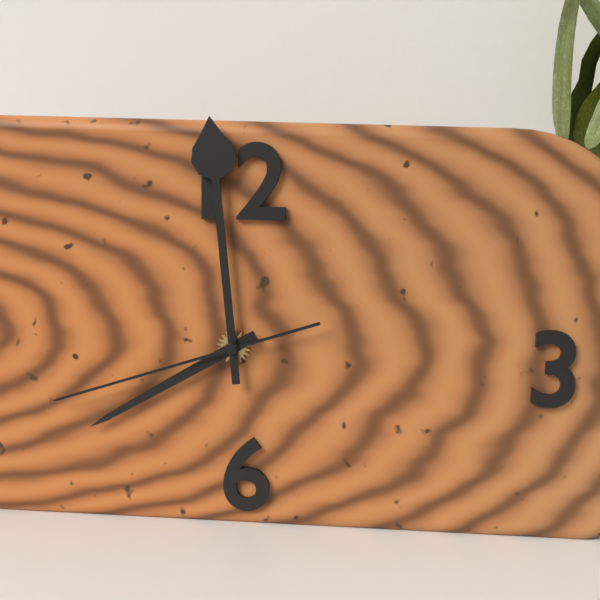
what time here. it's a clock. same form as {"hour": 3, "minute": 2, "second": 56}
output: {"hour": 7, "minute": 59, "second": 42}
